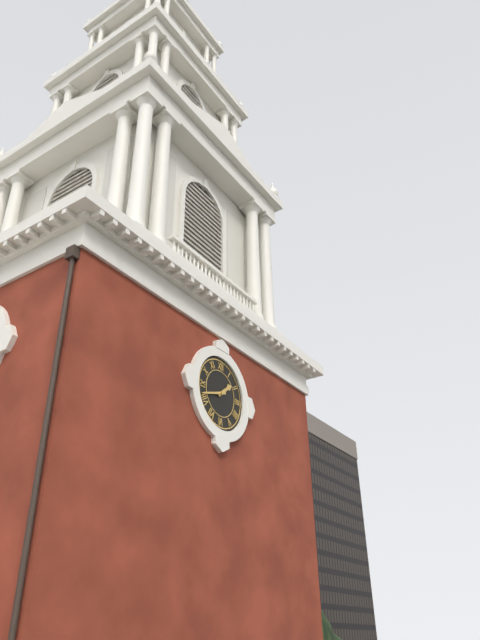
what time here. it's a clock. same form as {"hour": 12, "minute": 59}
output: {"hour": 1, "minute": 42}
